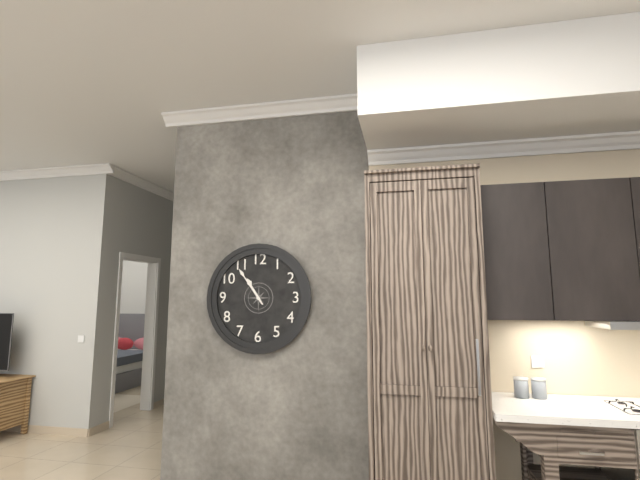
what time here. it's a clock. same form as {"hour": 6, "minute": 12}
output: {"hour": 10, "minute": 54}
